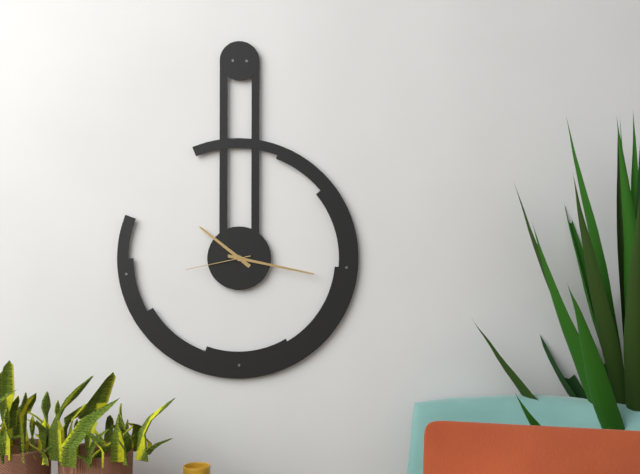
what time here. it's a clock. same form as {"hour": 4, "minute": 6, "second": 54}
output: {"hour": 10, "minute": 17, "second": 43}
